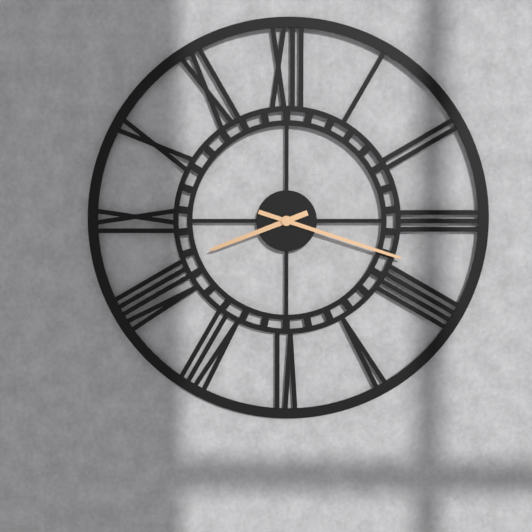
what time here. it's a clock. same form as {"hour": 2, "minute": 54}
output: {"hour": 8, "minute": 18}
